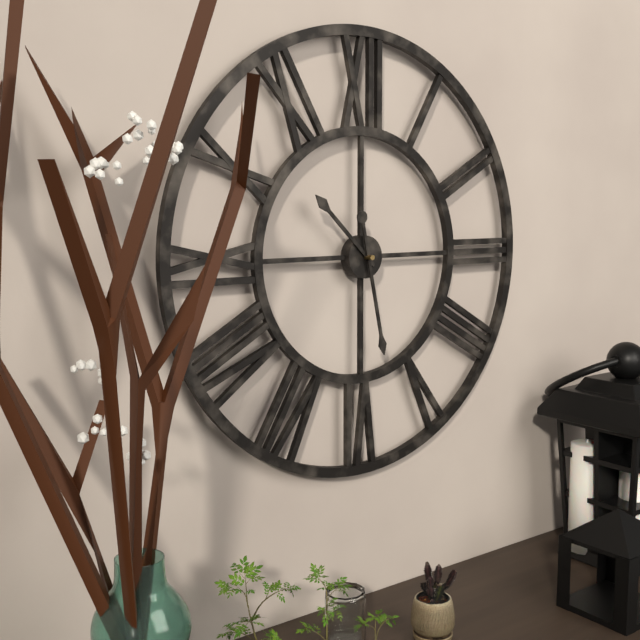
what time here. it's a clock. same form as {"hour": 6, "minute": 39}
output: {"hour": 10, "minute": 28}
